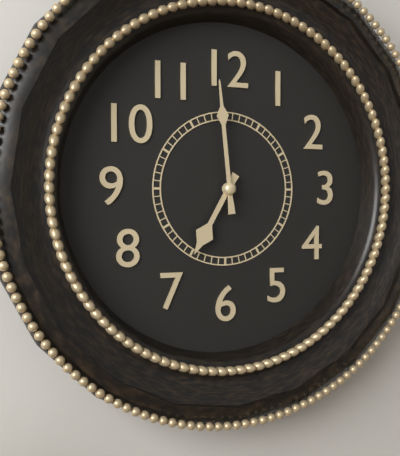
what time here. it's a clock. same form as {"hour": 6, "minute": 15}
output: {"hour": 6, "minute": 59}
